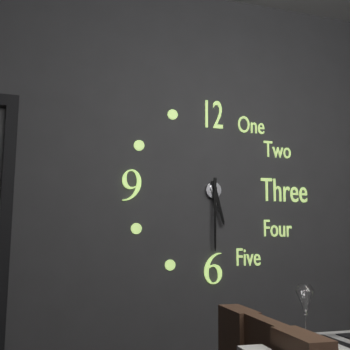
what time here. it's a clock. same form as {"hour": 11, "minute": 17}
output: {"hour": 5, "minute": 30}
